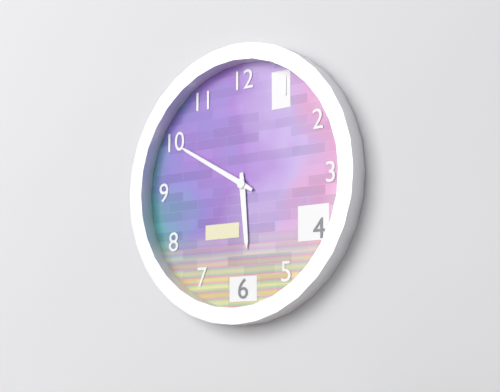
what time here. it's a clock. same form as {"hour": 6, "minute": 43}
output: {"hour": 5, "minute": 50}
